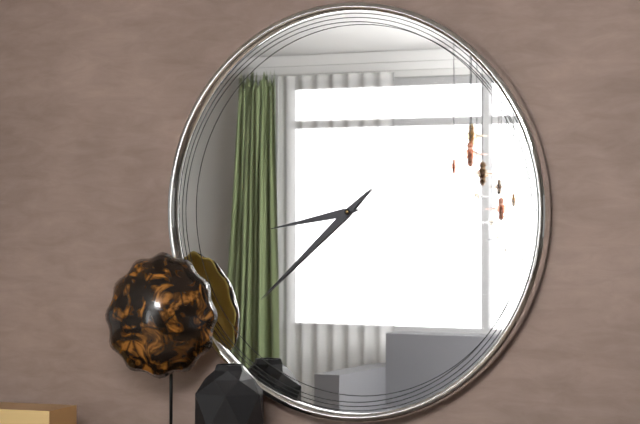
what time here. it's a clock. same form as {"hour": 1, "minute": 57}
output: {"hour": 8, "minute": 38}
